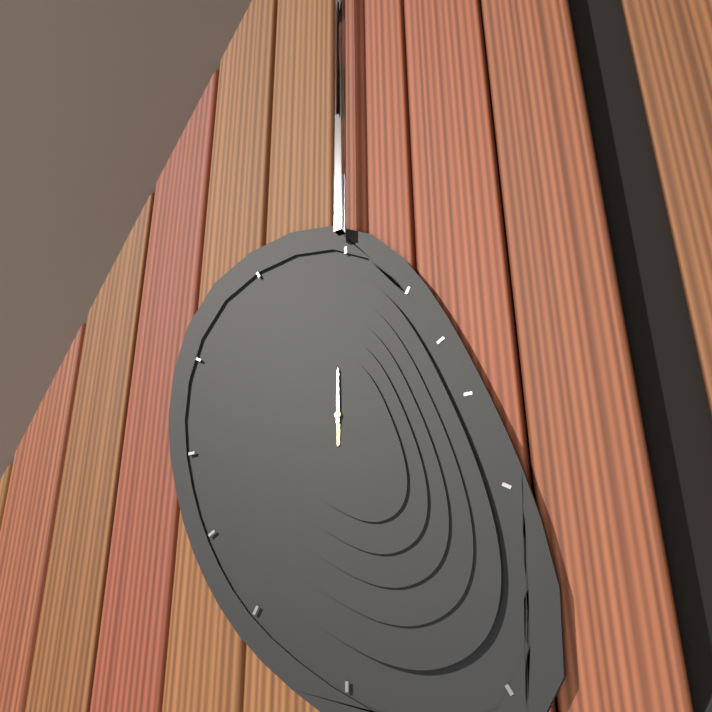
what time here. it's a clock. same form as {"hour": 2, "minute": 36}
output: {"hour": 6, "minute": 0}
